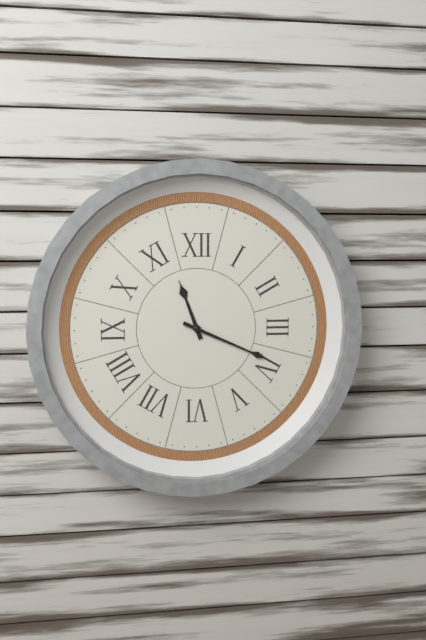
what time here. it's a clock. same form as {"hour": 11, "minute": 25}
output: {"hour": 11, "minute": 19}
